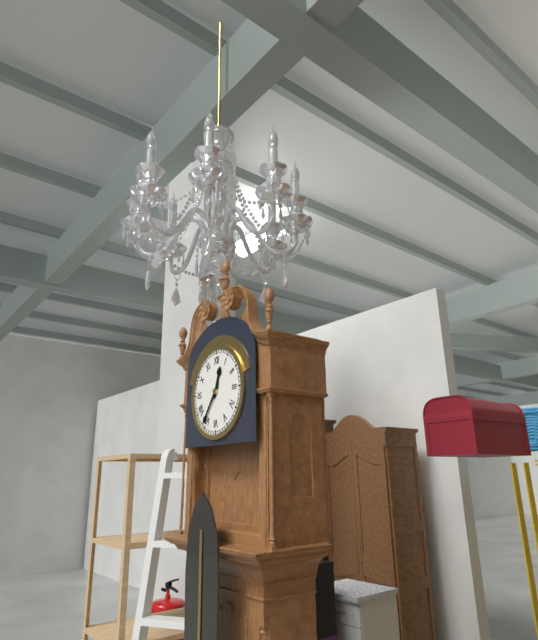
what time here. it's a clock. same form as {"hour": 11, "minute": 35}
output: {"hour": 12, "minute": 36}
